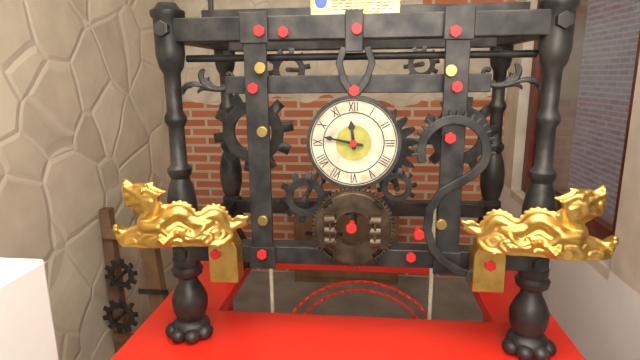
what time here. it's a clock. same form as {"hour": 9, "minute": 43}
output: {"hour": 11, "minute": 47}
